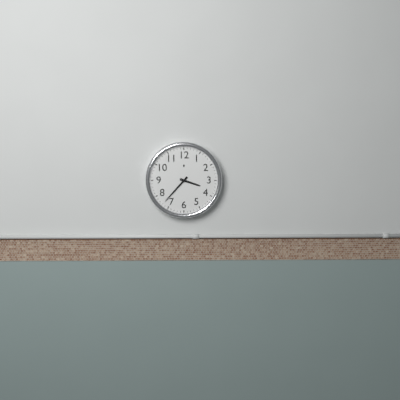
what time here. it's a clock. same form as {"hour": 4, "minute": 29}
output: {"hour": 3, "minute": 37}
